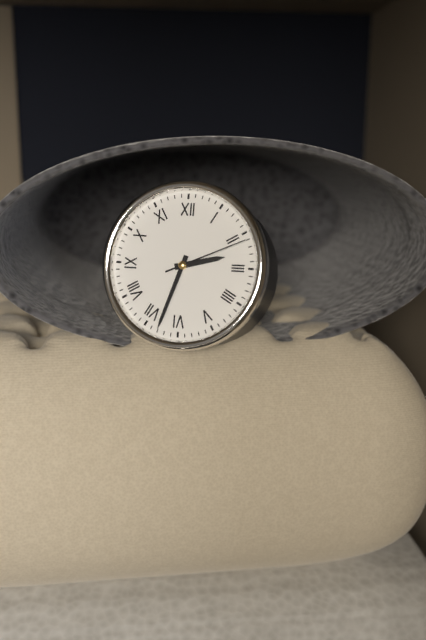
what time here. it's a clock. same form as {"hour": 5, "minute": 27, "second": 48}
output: {"hour": 2, "minute": 33, "second": 11}
